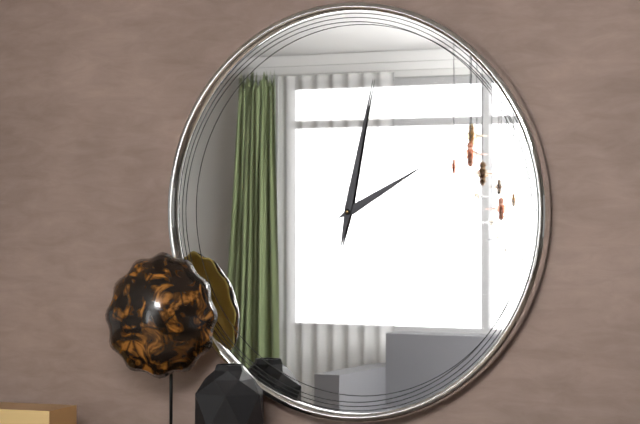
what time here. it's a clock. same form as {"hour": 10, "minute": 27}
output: {"hour": 2, "minute": 2}
